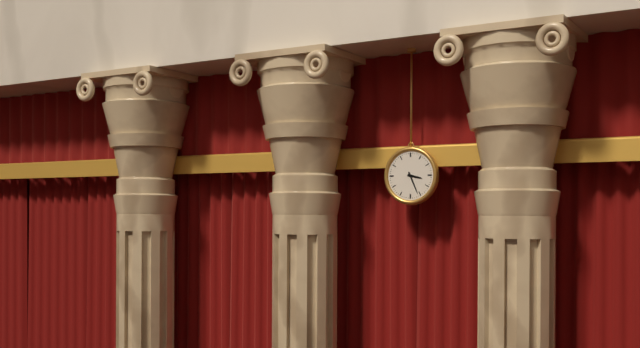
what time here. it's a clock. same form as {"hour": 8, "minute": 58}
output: {"hour": 3, "minute": 26}
